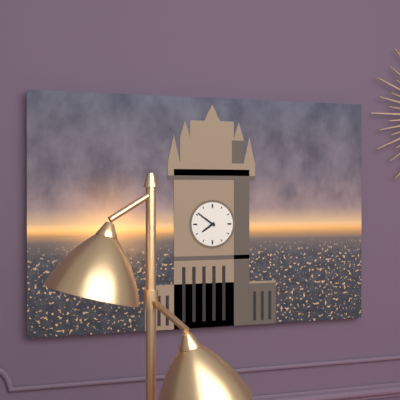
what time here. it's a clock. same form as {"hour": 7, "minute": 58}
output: {"hour": 7, "minute": 51}
